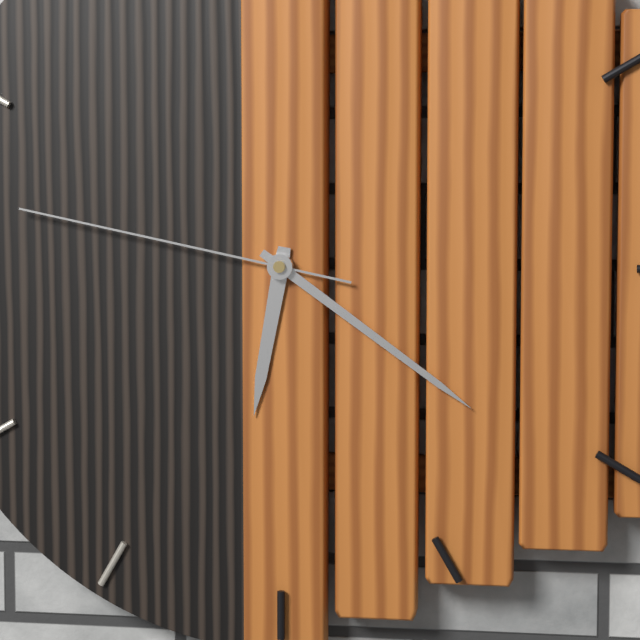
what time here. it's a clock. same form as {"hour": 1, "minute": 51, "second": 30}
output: {"hour": 6, "minute": 21, "second": 47}
